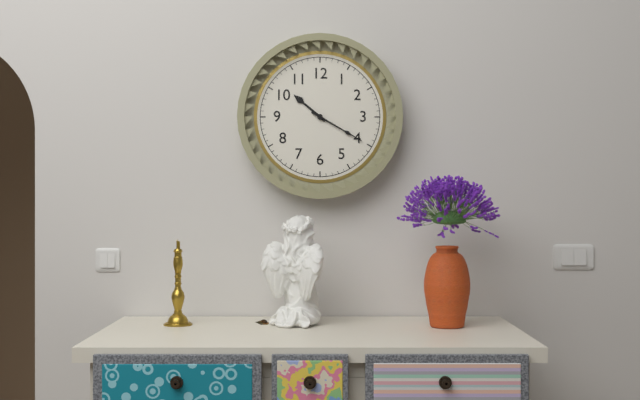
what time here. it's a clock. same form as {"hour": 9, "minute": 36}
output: {"hour": 10, "minute": 20}
